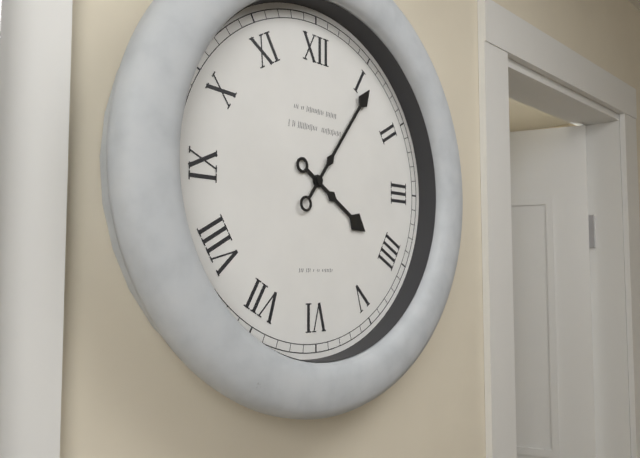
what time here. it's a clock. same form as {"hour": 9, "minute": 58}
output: {"hour": 4, "minute": 6}
